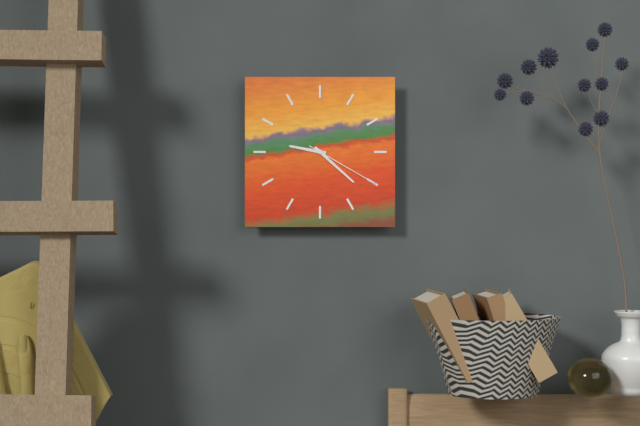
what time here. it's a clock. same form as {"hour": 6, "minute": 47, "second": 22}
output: {"hour": 9, "minute": 22, "second": 20}
